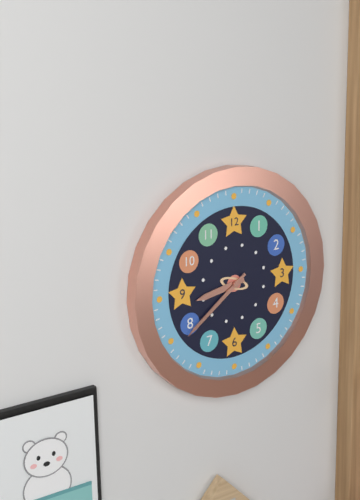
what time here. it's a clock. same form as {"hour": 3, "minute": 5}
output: {"hour": 8, "minute": 39}
